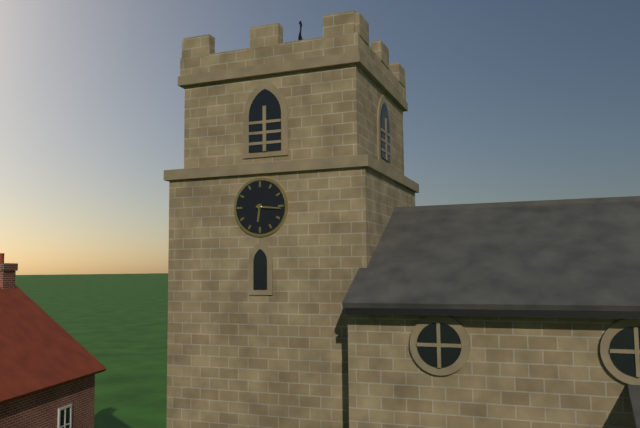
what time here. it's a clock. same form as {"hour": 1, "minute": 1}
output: {"hour": 6, "minute": 16}
